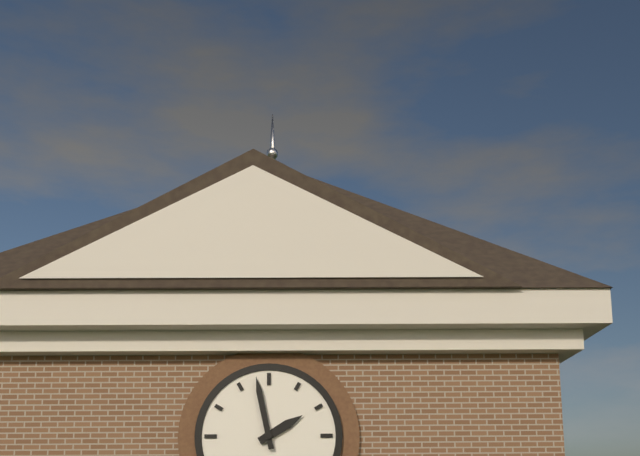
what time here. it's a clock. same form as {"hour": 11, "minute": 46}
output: {"hour": 1, "minute": 58}
